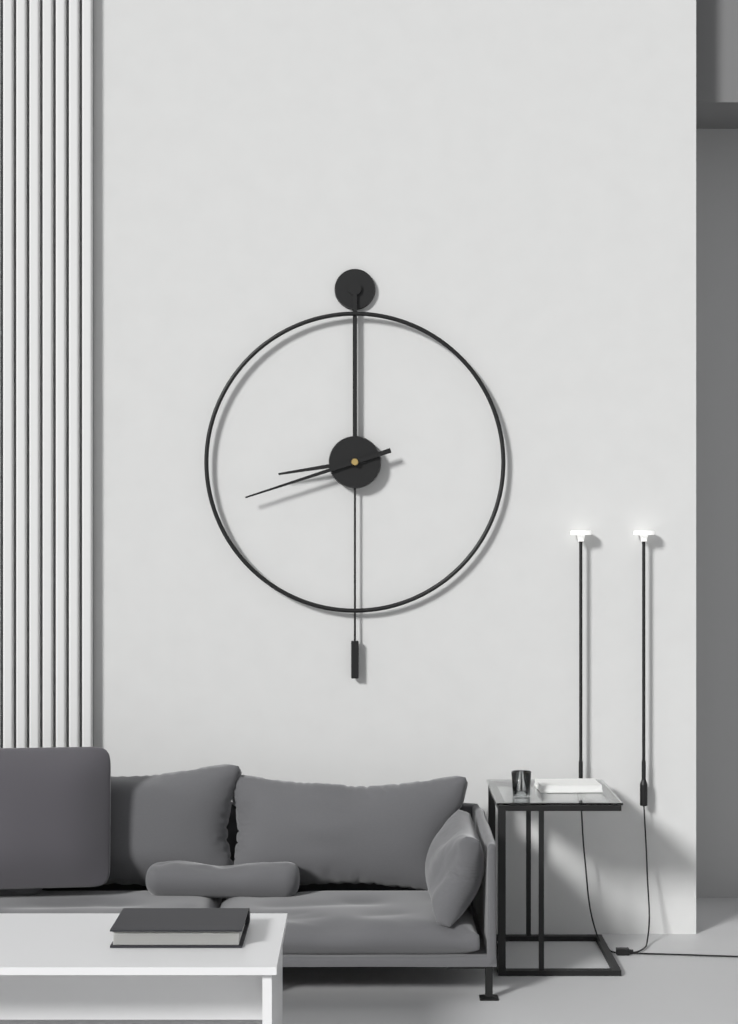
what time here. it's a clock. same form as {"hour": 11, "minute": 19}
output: {"hour": 8, "minute": 42}
